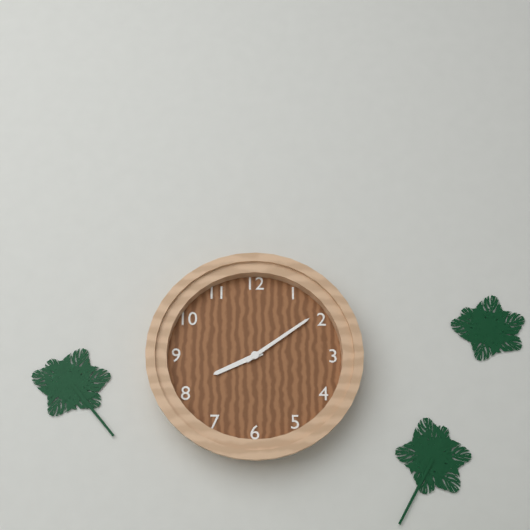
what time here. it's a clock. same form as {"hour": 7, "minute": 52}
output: {"hour": 8, "minute": 9}
